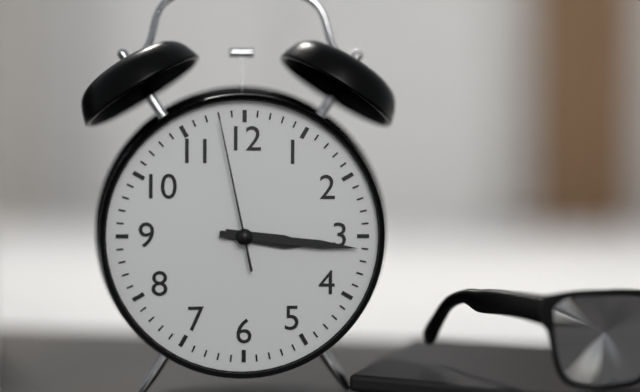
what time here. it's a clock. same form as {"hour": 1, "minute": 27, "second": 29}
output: {"hour": 3, "minute": 16, "second": 58}
